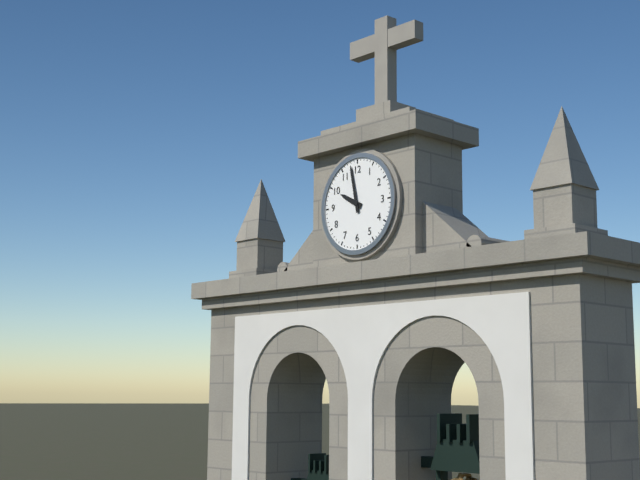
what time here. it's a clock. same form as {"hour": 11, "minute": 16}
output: {"hour": 9, "minute": 58}
